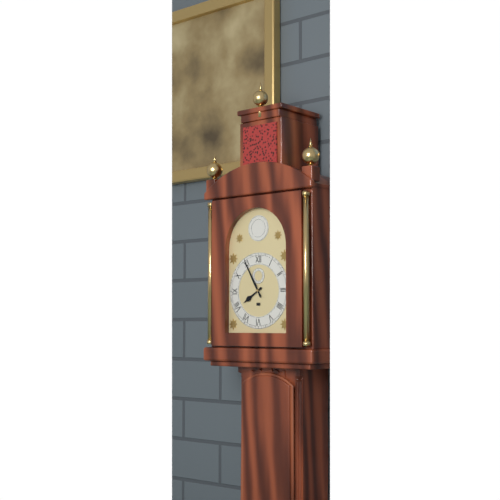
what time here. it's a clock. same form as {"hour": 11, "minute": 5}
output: {"hour": 7, "minute": 55}
